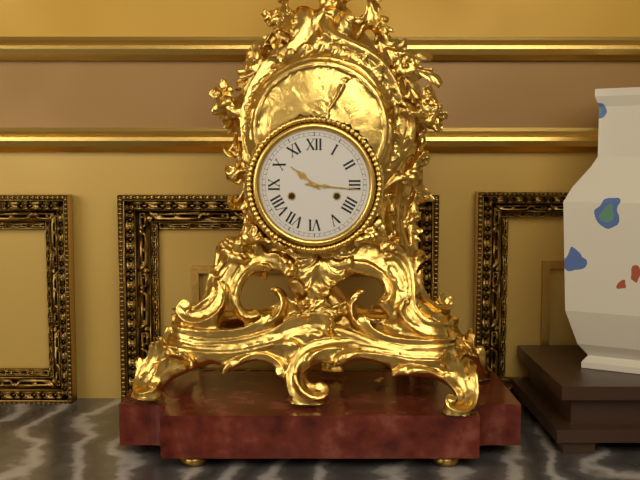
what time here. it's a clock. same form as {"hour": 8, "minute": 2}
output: {"hour": 10, "minute": 16}
